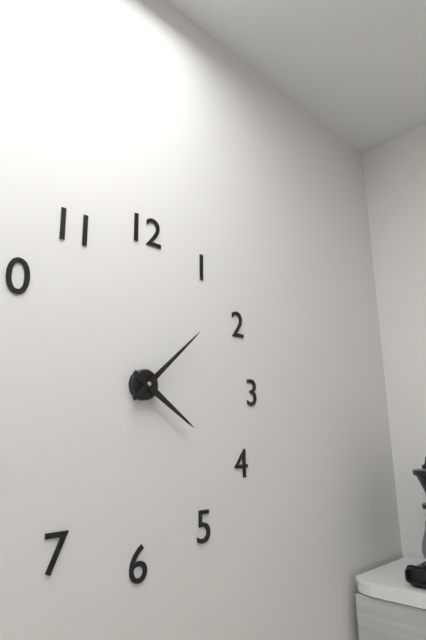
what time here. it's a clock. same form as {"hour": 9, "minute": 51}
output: {"hour": 4, "minute": 8}
